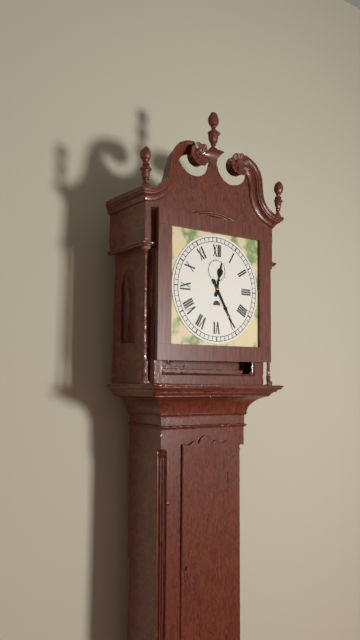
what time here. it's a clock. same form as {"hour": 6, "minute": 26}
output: {"hour": 12, "minute": 25}
